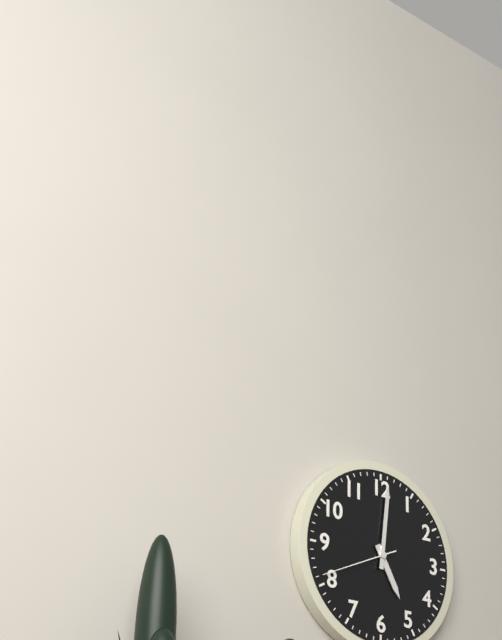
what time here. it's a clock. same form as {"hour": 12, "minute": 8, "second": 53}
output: {"hour": 5, "minute": 1, "second": 41}
